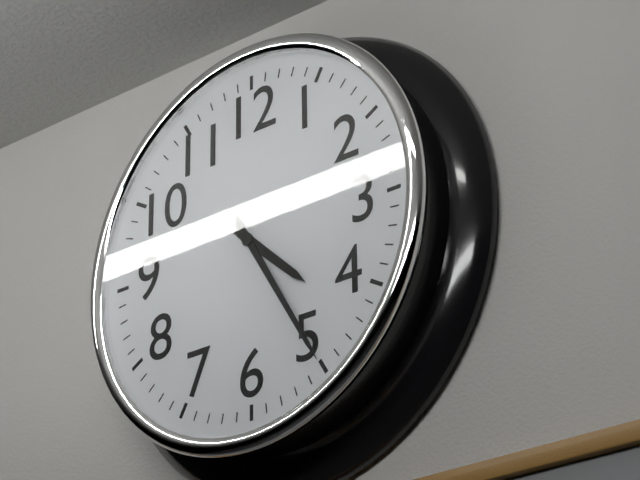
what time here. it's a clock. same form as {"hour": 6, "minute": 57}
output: {"hour": 4, "minute": 25}
